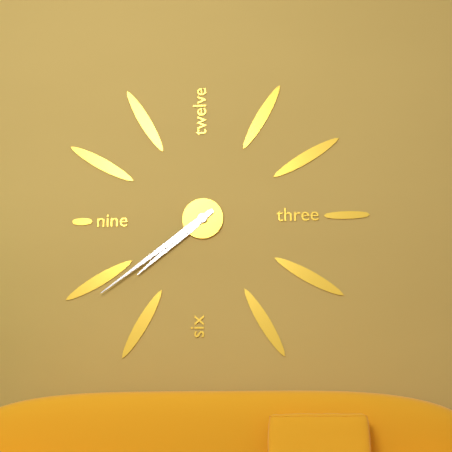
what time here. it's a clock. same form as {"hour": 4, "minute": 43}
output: {"hour": 7, "minute": 39}
